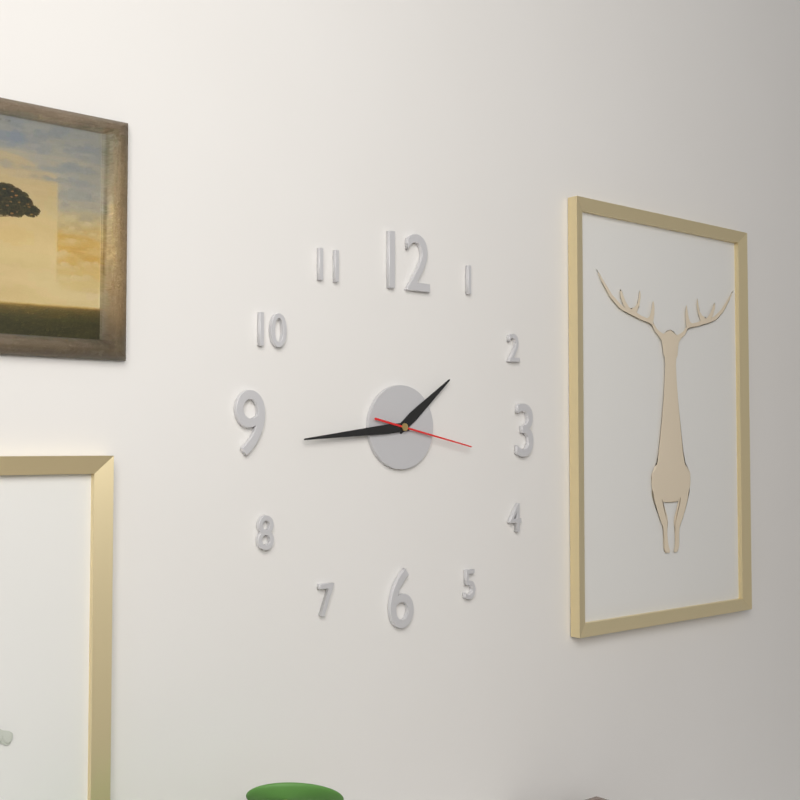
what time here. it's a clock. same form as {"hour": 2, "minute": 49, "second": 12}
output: {"hour": 1, "minute": 44, "second": 17}
